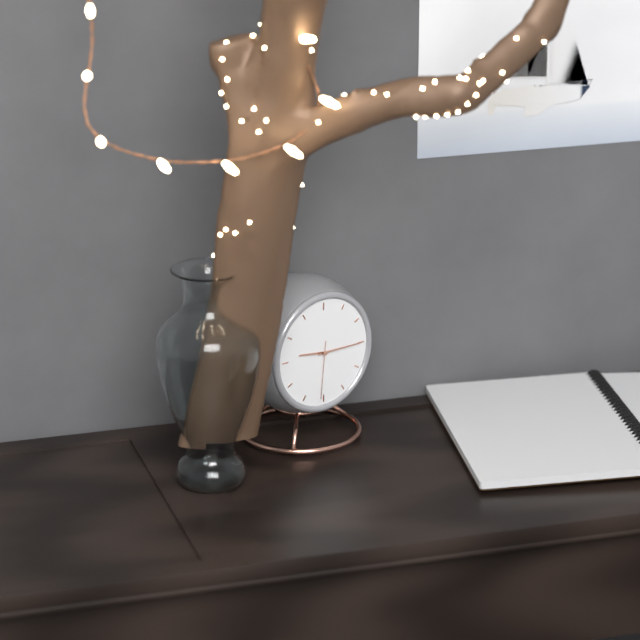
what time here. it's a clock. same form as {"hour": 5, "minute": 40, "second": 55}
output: {"hour": 9, "minute": 15, "second": 31}
